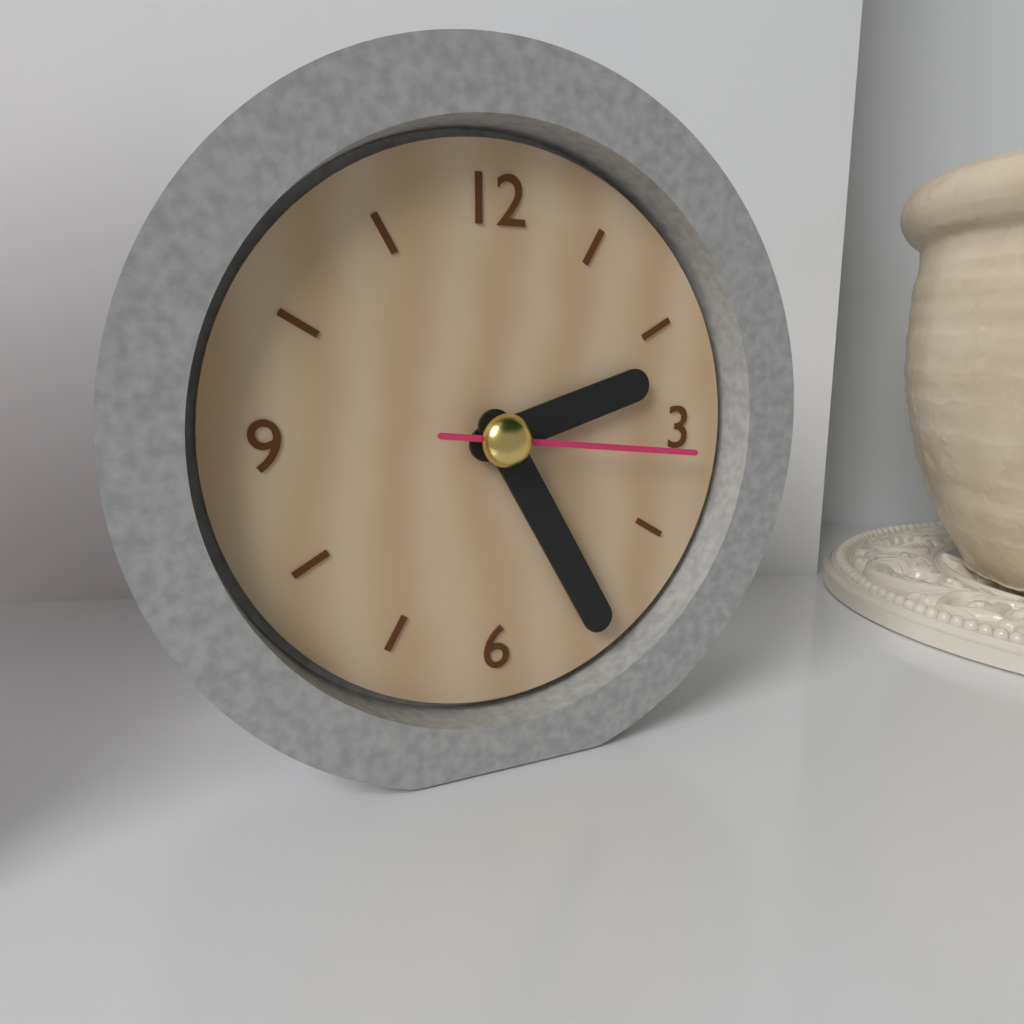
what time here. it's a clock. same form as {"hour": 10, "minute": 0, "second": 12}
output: {"hour": 2, "minute": 25, "second": 16}
